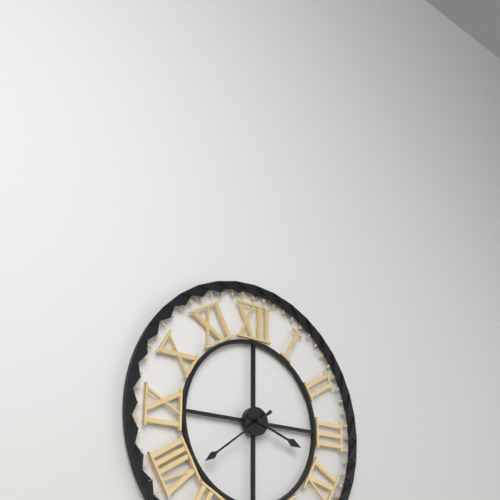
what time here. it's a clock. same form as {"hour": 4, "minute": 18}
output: {"hour": 3, "minute": 39}
